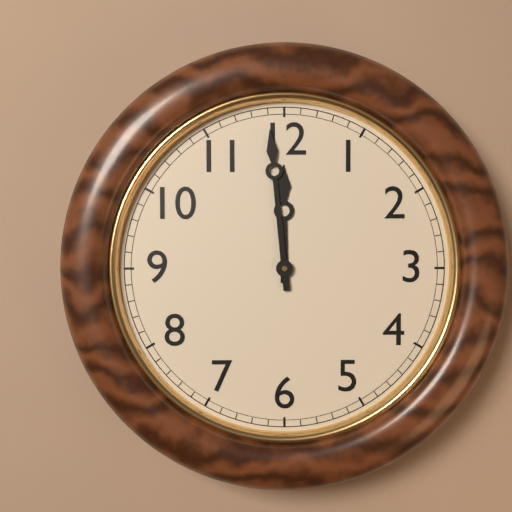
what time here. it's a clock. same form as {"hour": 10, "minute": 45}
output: {"hour": 11, "minute": 59}
